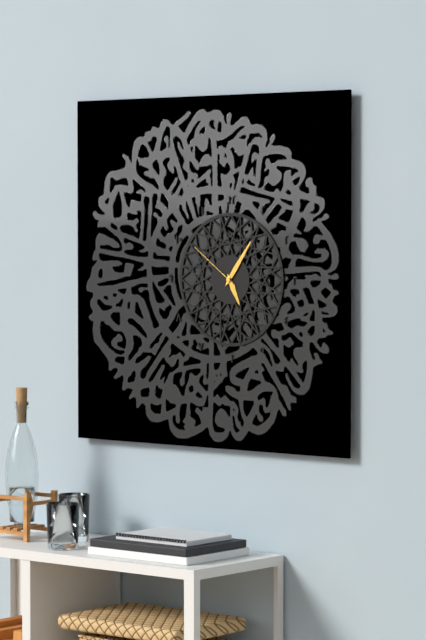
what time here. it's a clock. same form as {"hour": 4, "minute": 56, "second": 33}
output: {"hour": 5, "minute": 6, "second": 51}
